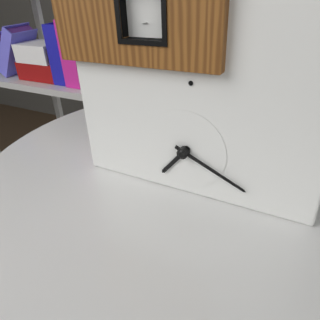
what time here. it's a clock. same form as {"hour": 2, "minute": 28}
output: {"hour": 7, "minute": 19}
